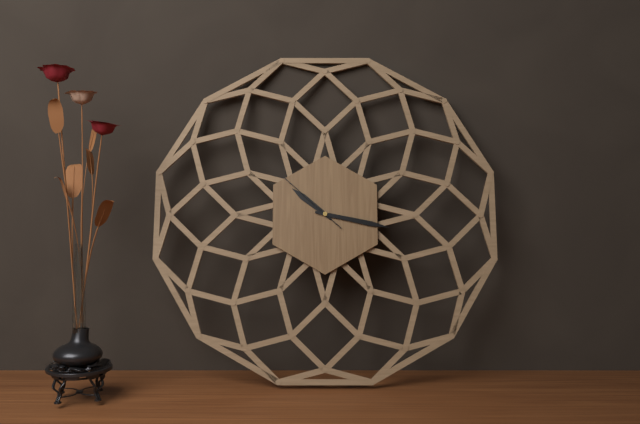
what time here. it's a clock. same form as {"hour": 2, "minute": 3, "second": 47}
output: {"hour": 10, "minute": 17, "second": 52}
